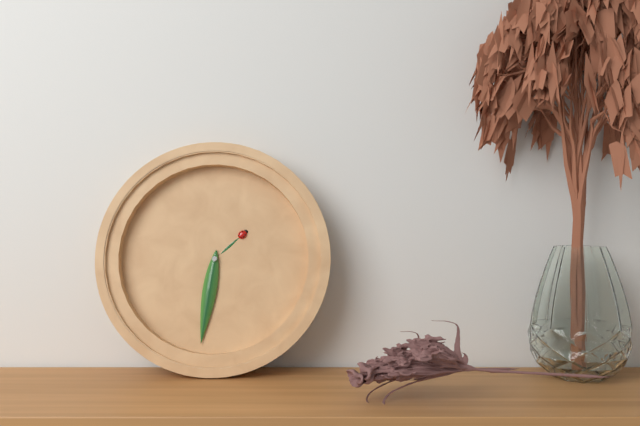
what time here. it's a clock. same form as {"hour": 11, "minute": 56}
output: {"hour": 1, "minute": 31}
